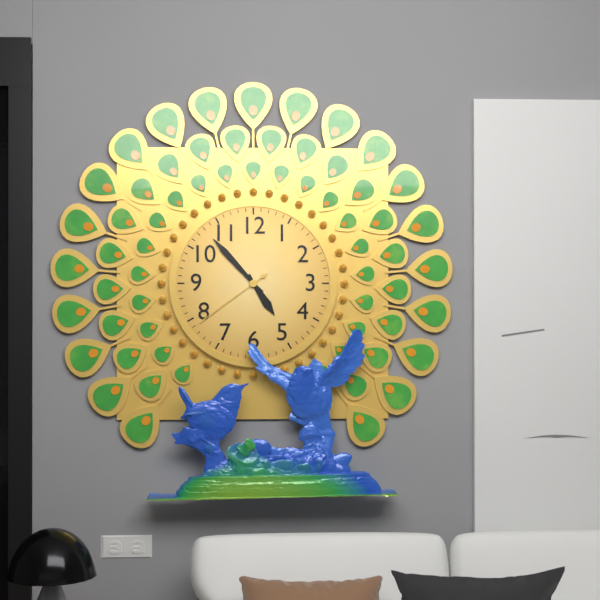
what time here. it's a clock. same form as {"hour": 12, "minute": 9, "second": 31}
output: {"hour": 4, "minute": 53, "second": 39}
